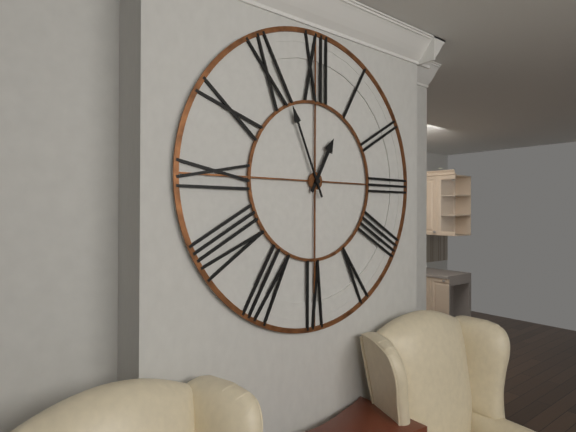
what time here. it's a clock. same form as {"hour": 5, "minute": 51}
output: {"hour": 12, "minute": 56}
